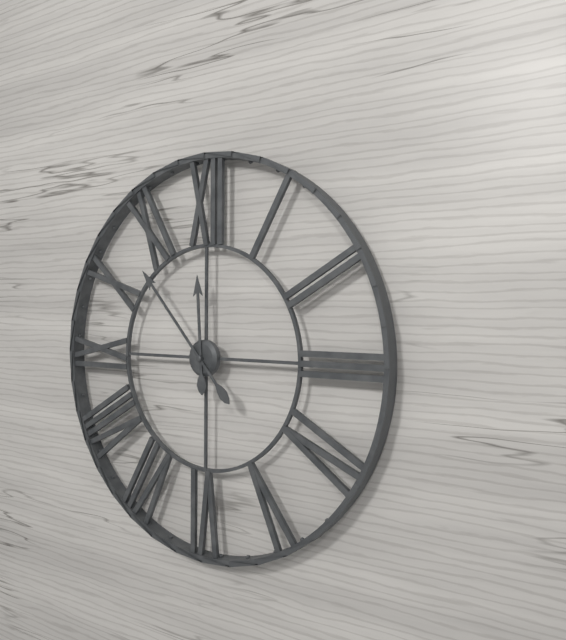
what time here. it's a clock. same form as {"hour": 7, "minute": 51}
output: {"hour": 11, "minute": 53}
